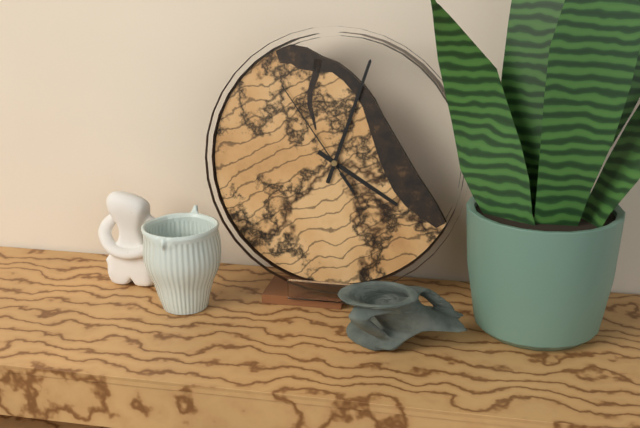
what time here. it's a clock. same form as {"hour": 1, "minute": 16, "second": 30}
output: {"hour": 4, "minute": 3, "second": 54}
